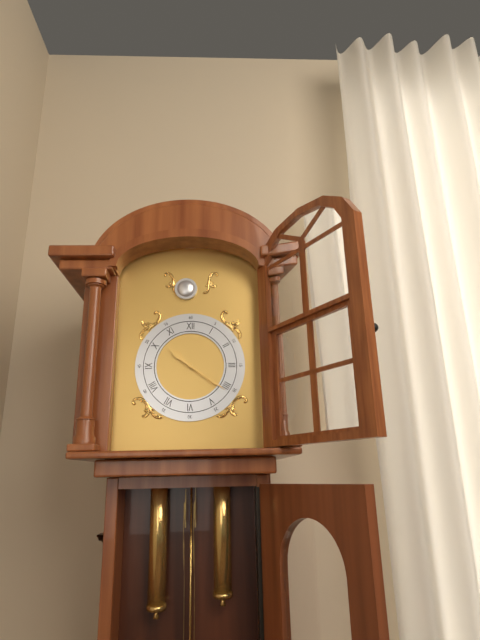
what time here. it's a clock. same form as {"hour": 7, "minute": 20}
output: {"hour": 10, "minute": 21}
